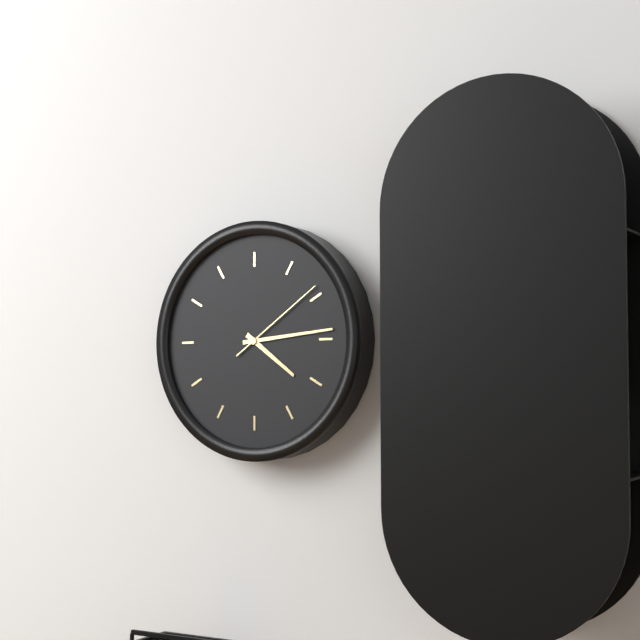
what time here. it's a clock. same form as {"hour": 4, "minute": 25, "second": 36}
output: {"hour": 4, "minute": 14, "second": 9}
